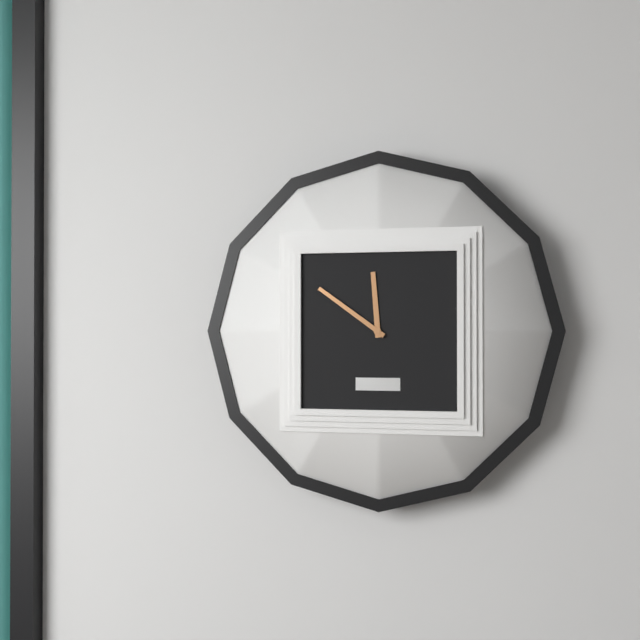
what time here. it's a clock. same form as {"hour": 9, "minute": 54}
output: {"hour": 11, "minute": 51}
